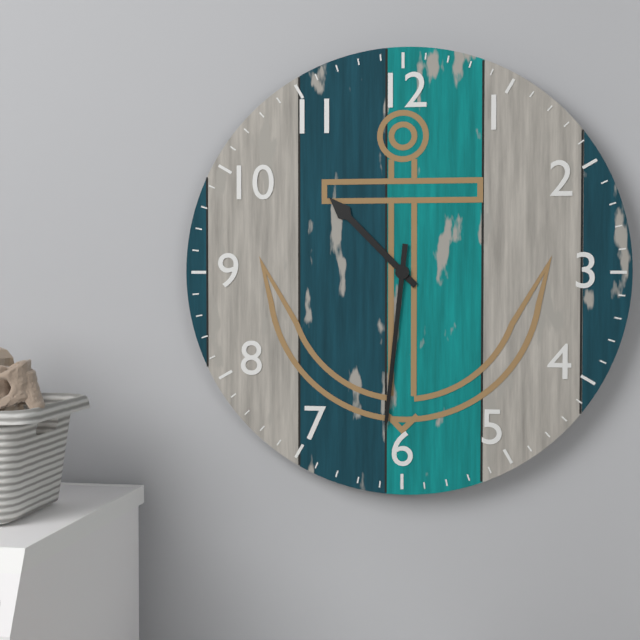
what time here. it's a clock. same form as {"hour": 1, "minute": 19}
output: {"hour": 10, "minute": 31}
